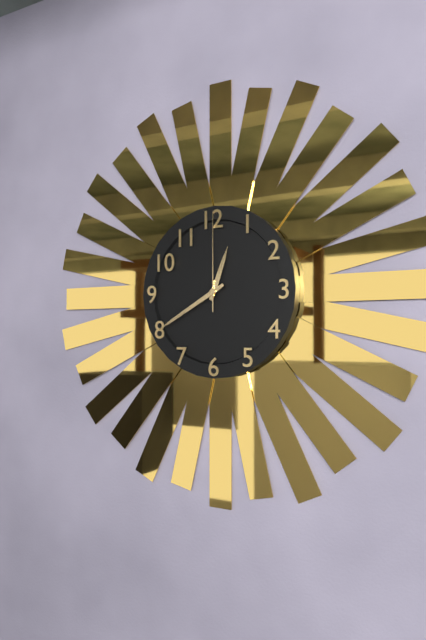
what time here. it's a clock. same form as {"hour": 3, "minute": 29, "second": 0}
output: {"hour": 12, "minute": 40, "second": 0}
